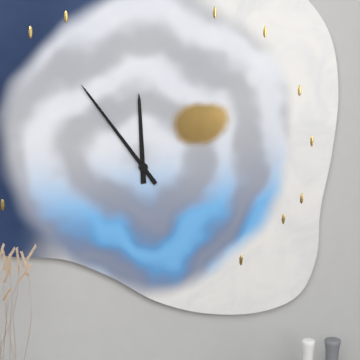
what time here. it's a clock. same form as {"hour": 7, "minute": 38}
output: {"hour": 11, "minute": 54}
